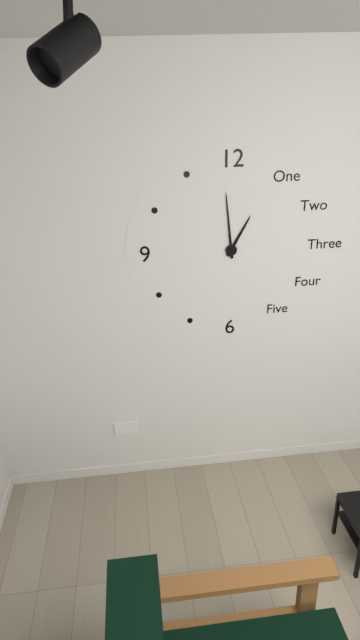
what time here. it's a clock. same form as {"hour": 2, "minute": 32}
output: {"hour": 12, "minute": 59}
